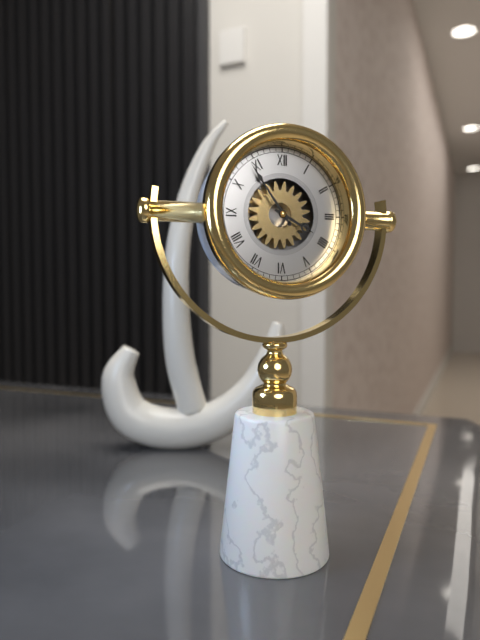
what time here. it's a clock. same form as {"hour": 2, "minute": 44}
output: {"hour": 3, "minute": 54}
